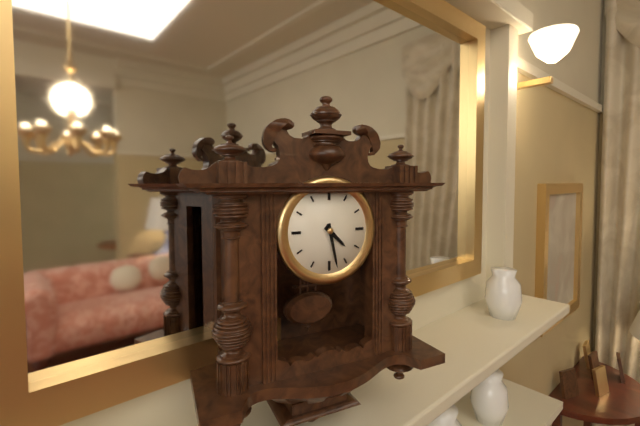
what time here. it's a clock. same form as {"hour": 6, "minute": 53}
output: {"hour": 4, "minute": 28}
